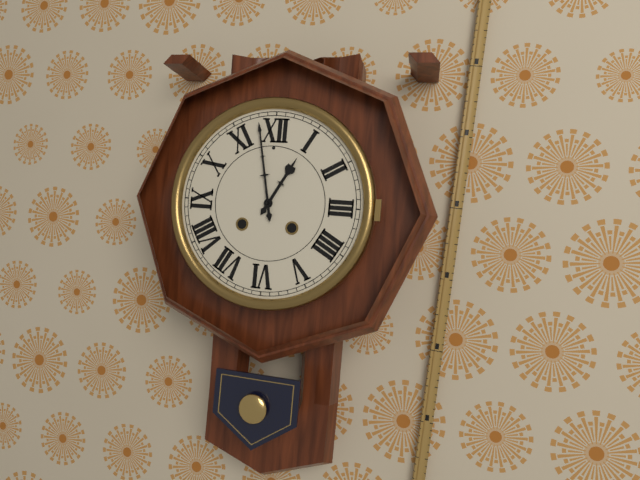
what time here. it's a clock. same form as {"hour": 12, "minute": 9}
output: {"hour": 12, "minute": 58}
